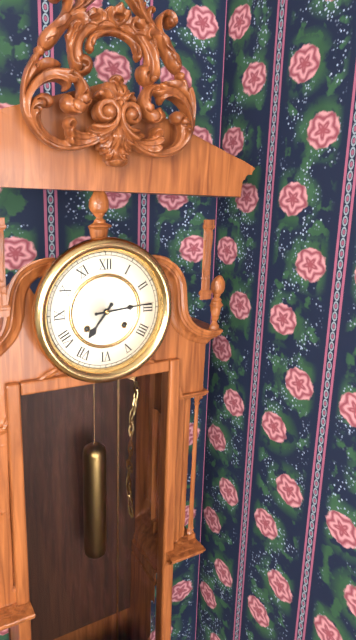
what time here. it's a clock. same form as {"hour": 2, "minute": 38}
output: {"hour": 7, "minute": 14}
